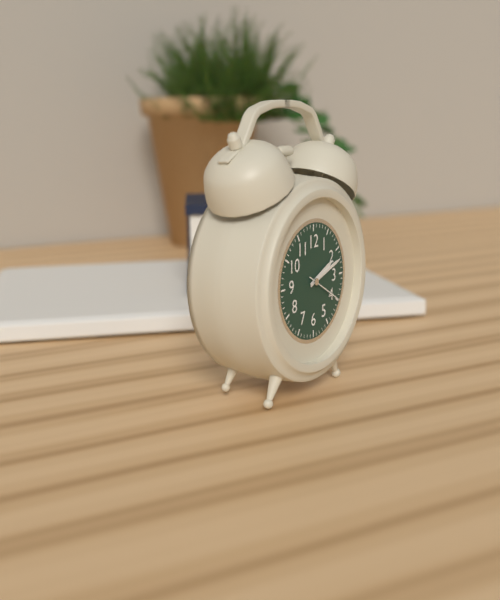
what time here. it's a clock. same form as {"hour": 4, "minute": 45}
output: {"hour": 2, "minute": 12}
